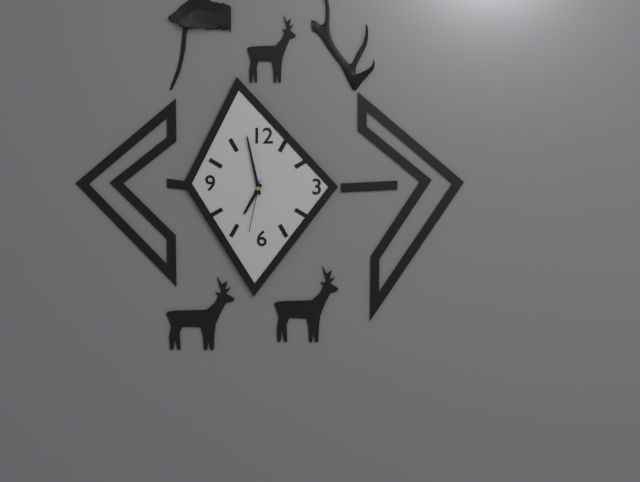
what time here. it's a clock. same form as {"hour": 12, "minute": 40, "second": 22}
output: {"hour": 6, "minute": 58, "second": 32}
